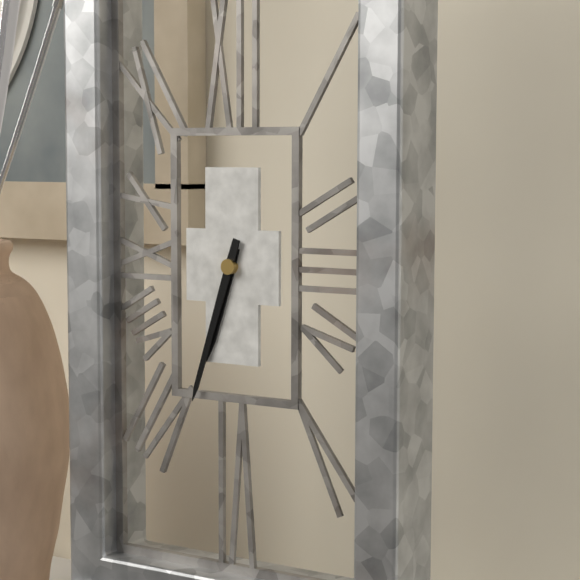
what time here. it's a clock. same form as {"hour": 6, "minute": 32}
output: {"hour": 6, "minute": 33}
